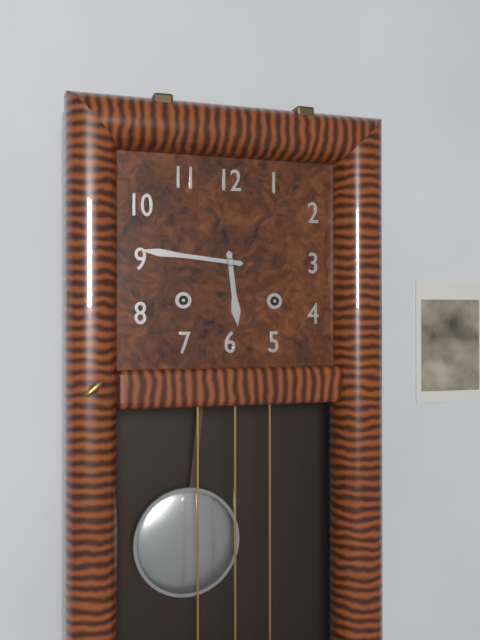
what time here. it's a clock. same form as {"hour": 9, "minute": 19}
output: {"hour": 5, "minute": 46}
